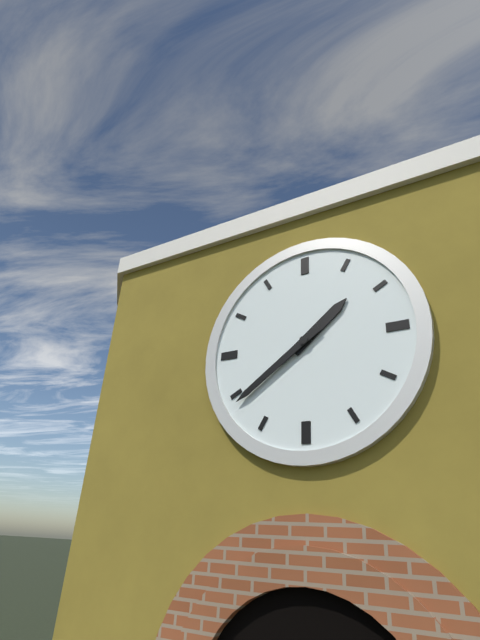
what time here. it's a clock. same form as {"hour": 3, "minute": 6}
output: {"hour": 1, "minute": 39}
